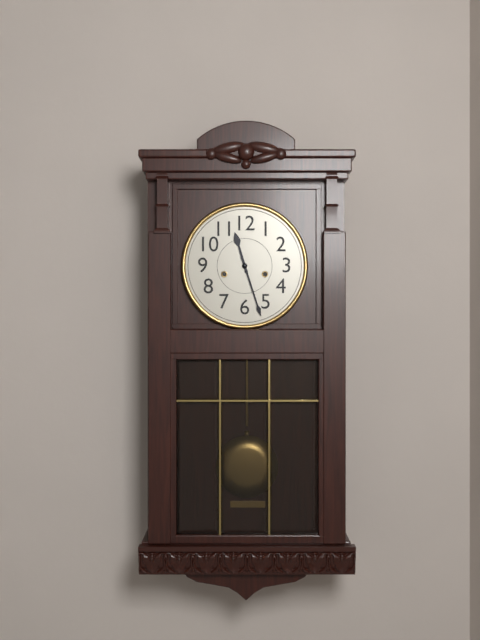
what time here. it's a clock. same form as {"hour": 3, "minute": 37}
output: {"hour": 11, "minute": 27}
